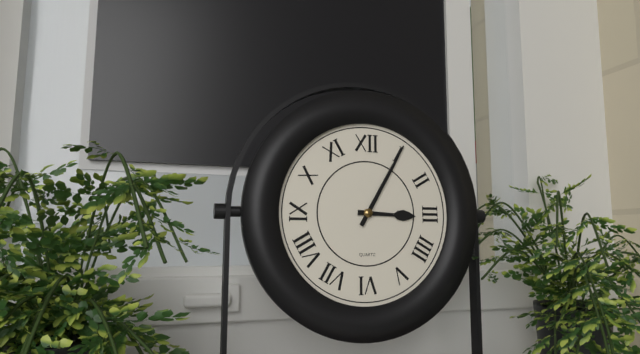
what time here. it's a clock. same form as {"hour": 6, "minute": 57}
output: {"hour": 3, "minute": 5}
